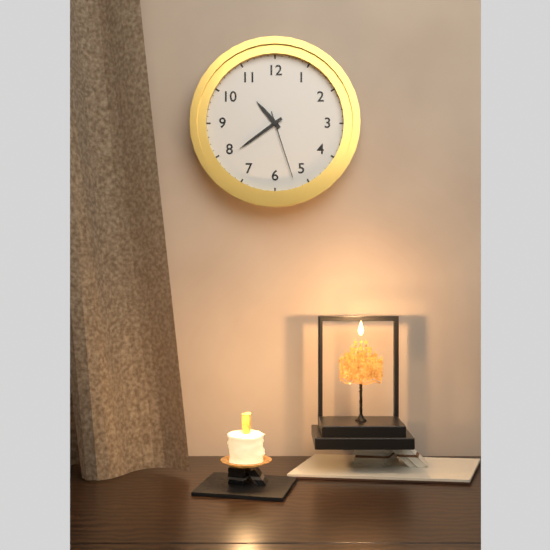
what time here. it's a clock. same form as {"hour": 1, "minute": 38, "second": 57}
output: {"hour": 10, "minute": 39, "second": 27}
